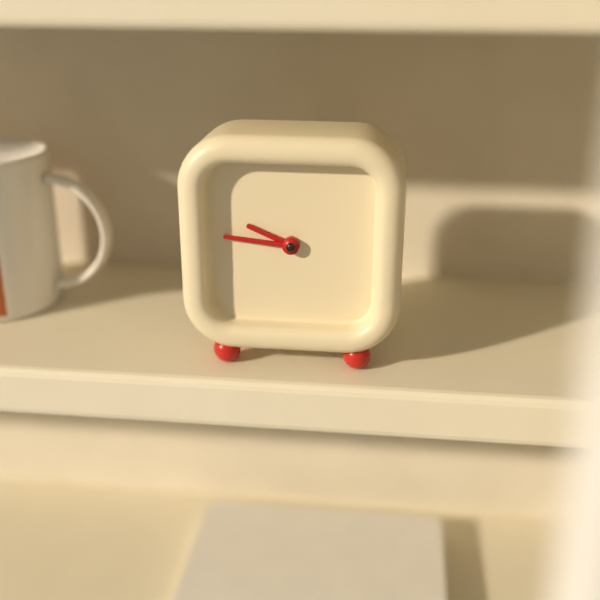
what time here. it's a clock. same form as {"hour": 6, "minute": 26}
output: {"hour": 9, "minute": 46}
